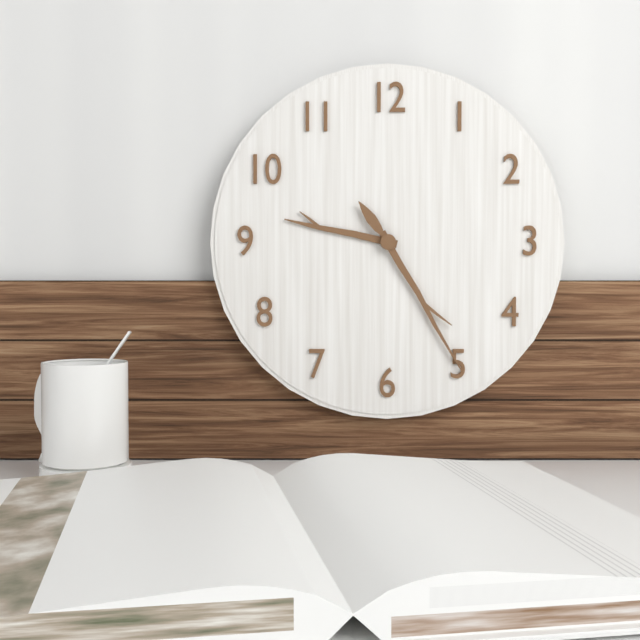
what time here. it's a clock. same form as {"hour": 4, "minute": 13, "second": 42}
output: {"hour": 9, "minute": 25, "second": 54}
